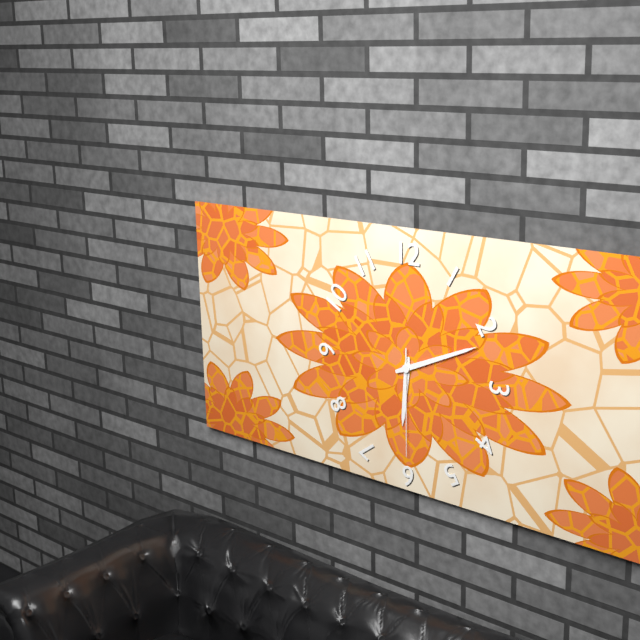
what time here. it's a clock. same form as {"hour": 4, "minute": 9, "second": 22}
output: {"hour": 6, "minute": 11, "second": 30}
